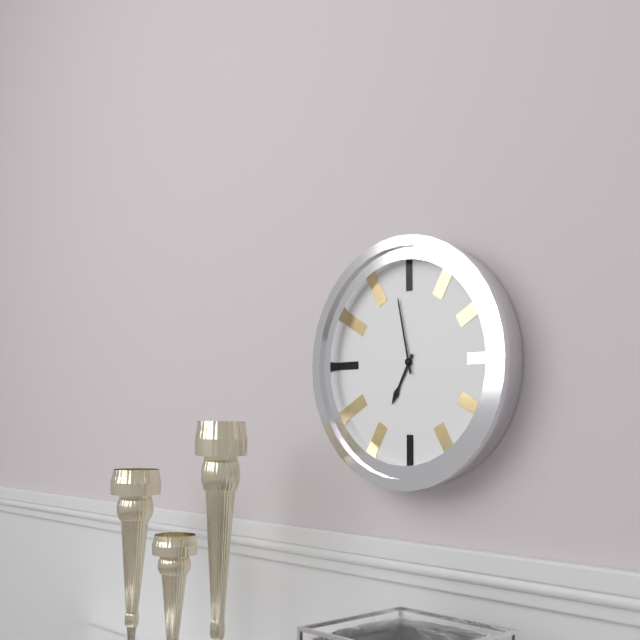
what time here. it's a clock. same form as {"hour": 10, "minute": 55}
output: {"hour": 6, "minute": 58}
